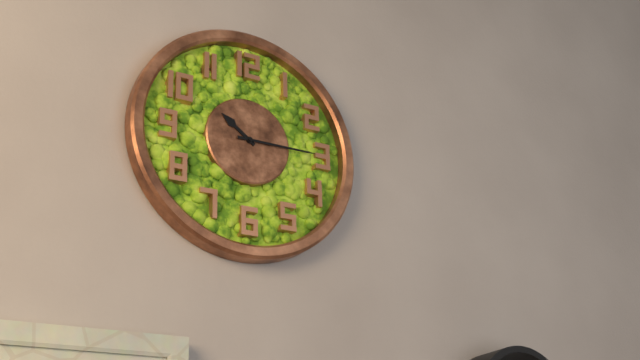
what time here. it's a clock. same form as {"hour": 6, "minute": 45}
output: {"hour": 10, "minute": 15}
